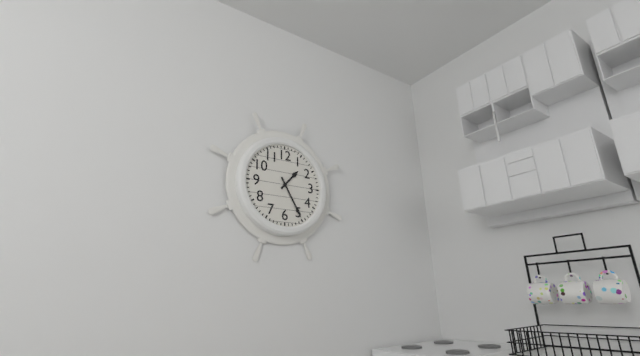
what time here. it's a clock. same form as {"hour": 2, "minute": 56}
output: {"hour": 1, "minute": 25}
